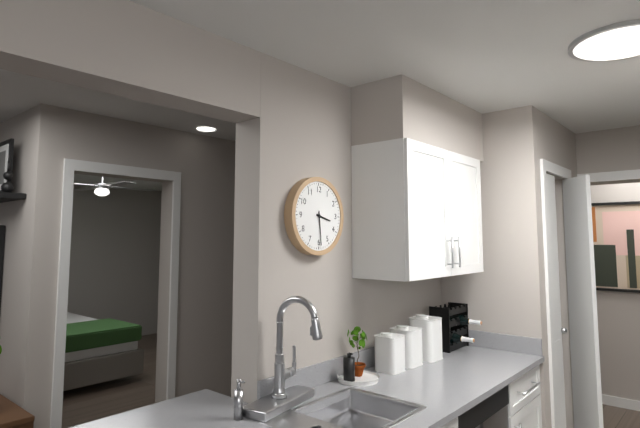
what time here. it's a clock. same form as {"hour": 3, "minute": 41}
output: {"hour": 3, "minute": 29}
